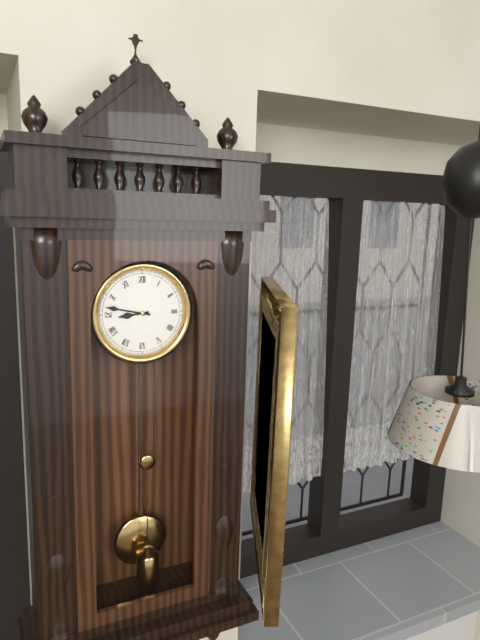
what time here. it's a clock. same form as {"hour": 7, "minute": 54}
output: {"hour": 8, "minute": 47}
